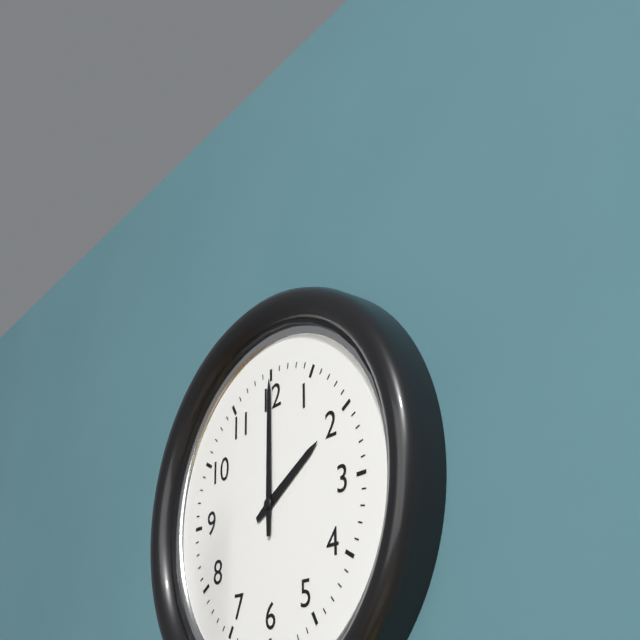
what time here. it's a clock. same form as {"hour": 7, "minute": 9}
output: {"hour": 2, "minute": 0}
